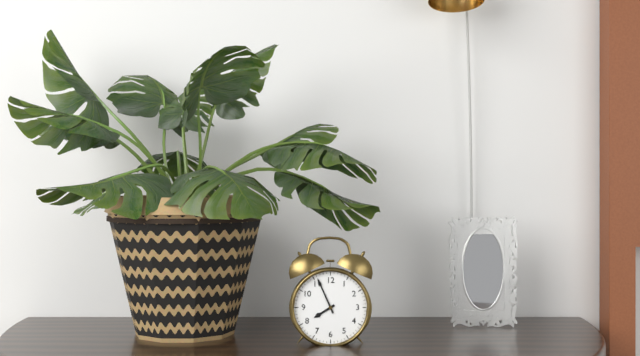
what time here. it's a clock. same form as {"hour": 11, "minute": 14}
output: {"hour": 7, "minute": 56}
